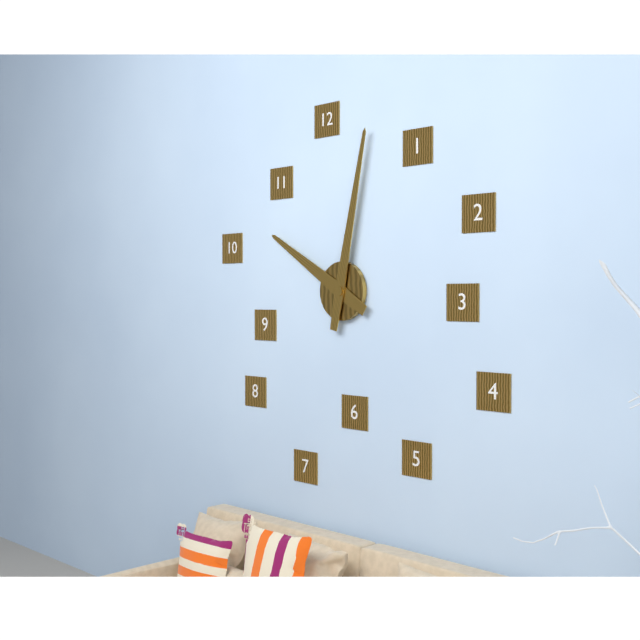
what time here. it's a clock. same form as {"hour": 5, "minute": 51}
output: {"hour": 10, "minute": 2}
